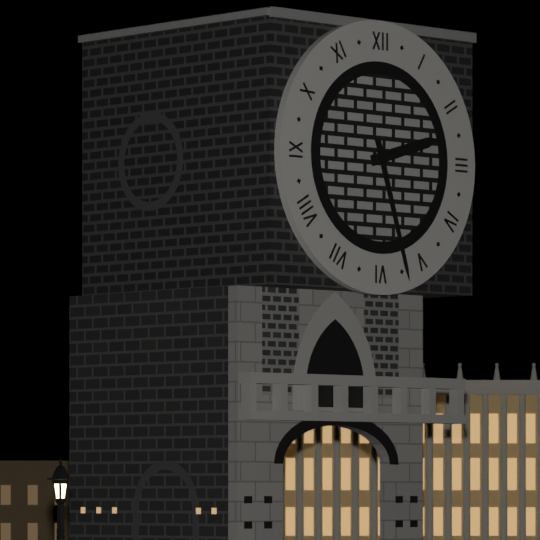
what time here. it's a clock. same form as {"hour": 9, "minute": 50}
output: {"hour": 2, "minute": 27}
